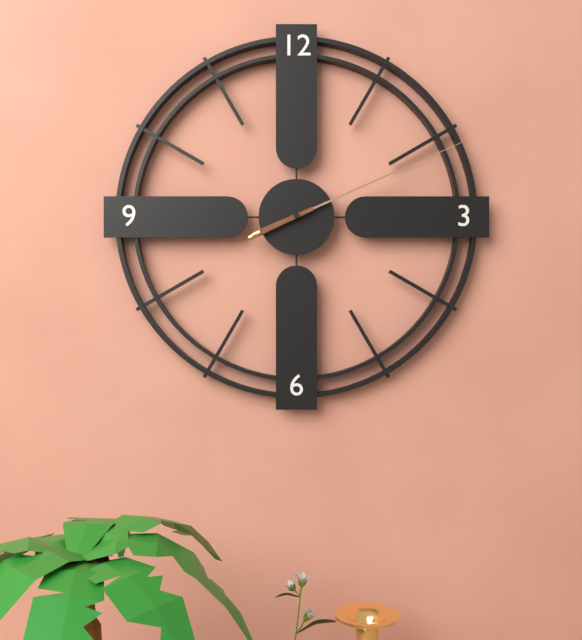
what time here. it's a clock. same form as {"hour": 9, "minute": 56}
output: {"hour": 2, "minute": 11}
